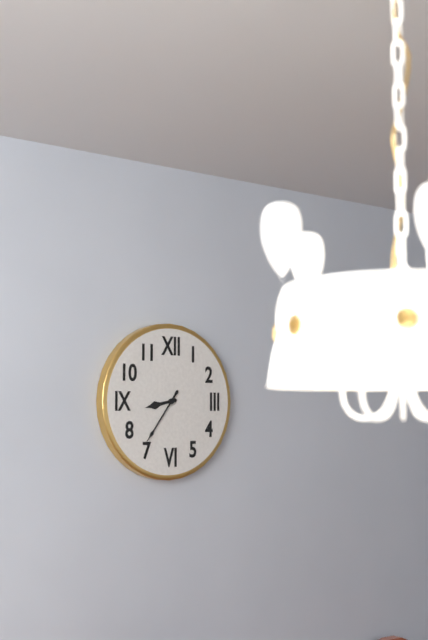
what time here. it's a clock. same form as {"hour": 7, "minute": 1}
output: {"hour": 8, "minute": 36}
